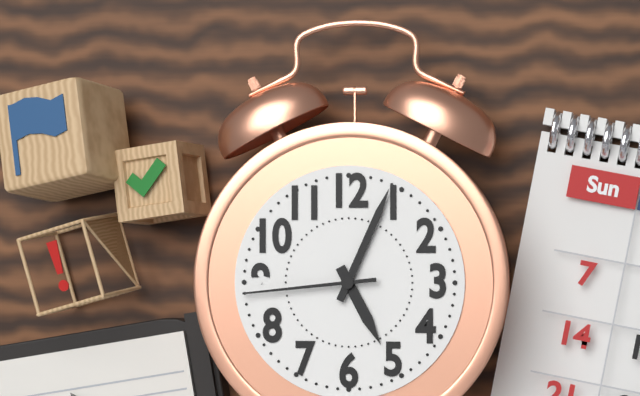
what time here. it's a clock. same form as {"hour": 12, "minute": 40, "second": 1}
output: {"hour": 5, "minute": 4, "second": 44}
